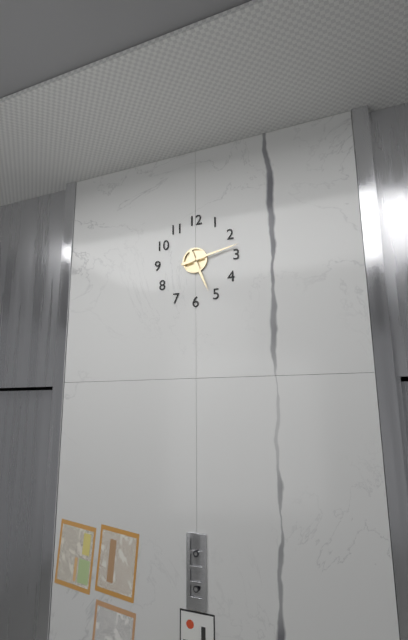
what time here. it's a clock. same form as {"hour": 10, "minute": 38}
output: {"hour": 5, "minute": 13}
